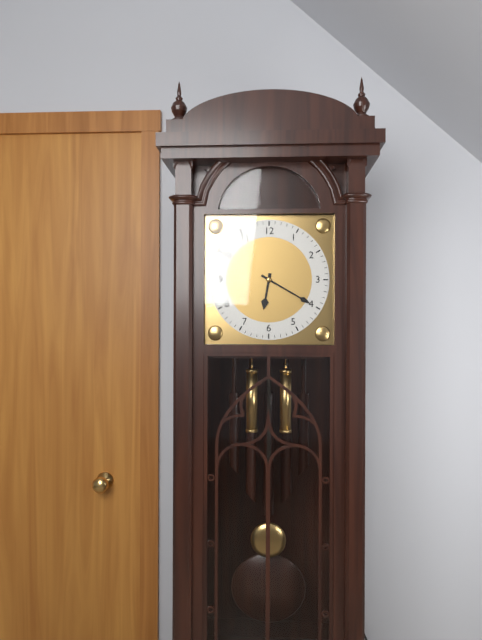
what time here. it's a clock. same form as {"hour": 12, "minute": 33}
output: {"hour": 6, "minute": 20}
